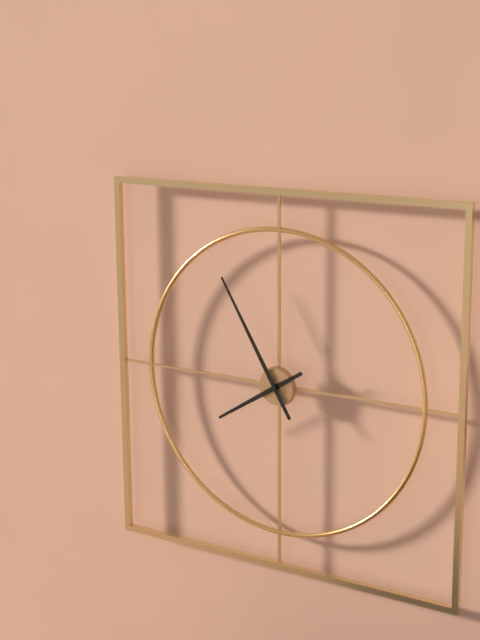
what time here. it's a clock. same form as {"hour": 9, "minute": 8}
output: {"hour": 7, "minute": 55}
